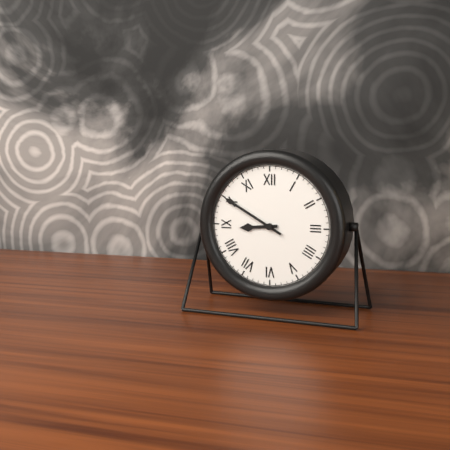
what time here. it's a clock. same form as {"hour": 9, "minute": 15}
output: {"hour": 8, "minute": 50}
